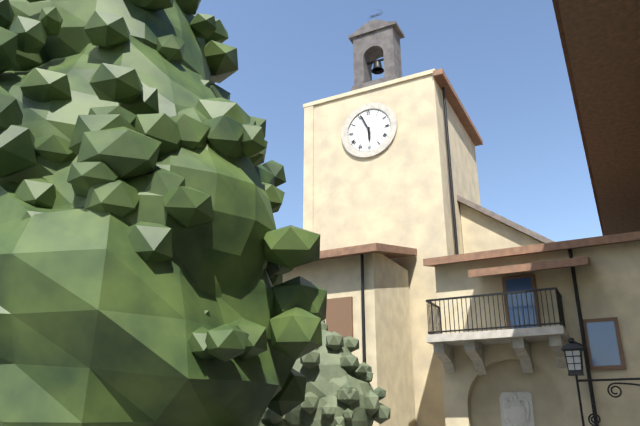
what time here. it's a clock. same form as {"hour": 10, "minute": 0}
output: {"hour": 5, "minute": 56}
